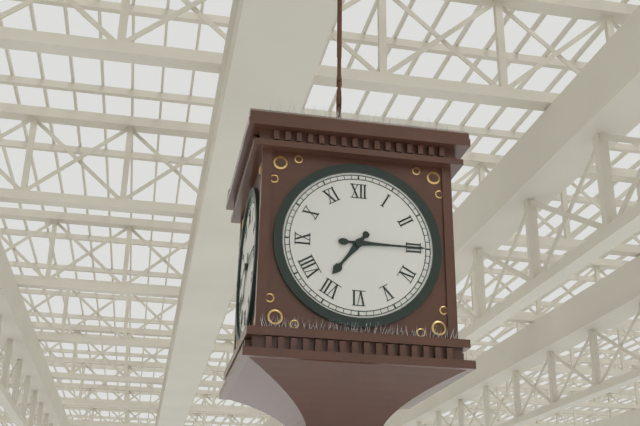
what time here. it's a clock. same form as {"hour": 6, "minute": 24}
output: {"hour": 7, "minute": 15}
